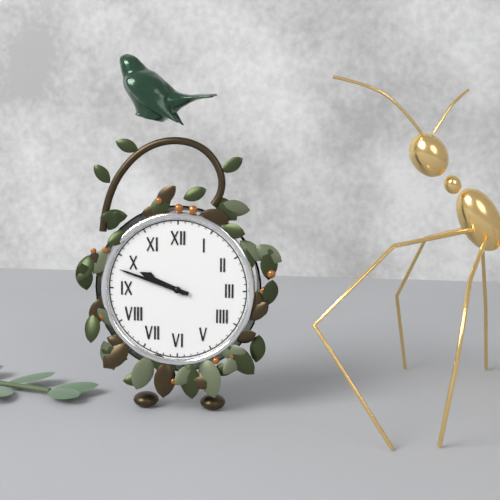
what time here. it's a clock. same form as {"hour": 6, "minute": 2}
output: {"hour": 9, "minute": 48}
